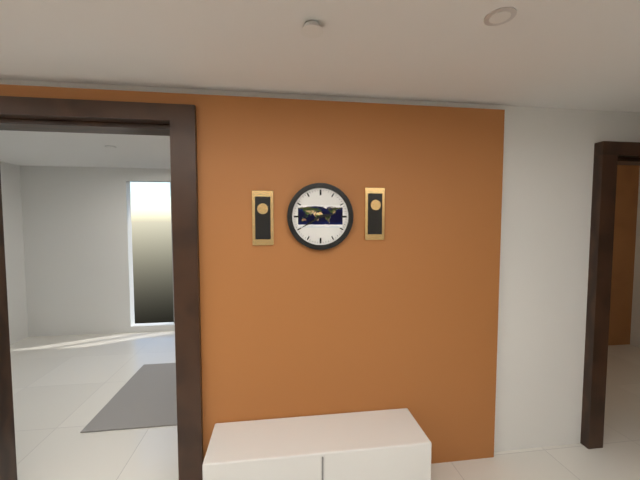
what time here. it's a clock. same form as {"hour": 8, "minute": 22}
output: {"hour": 2, "minute": 40}
